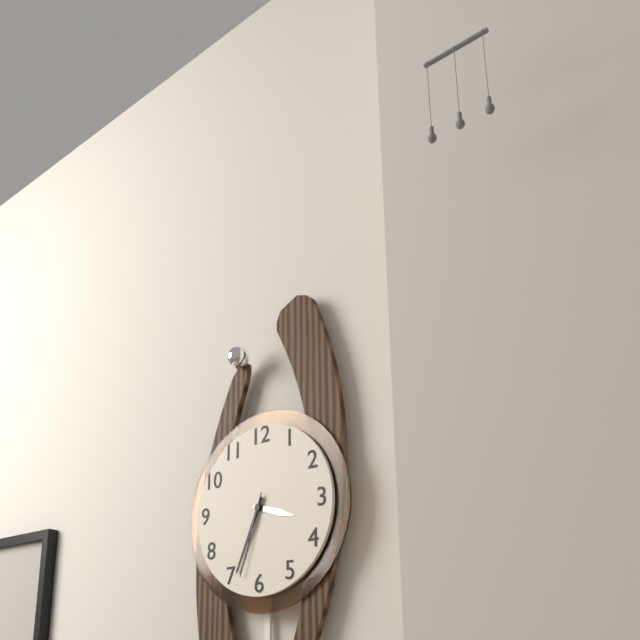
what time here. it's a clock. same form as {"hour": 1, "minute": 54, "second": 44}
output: {"hour": 3, "minute": 34, "second": 33}
